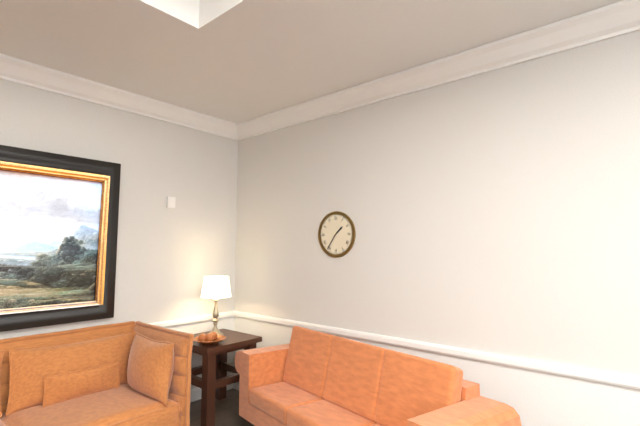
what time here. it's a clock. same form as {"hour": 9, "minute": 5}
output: {"hour": 1, "minute": 36}
